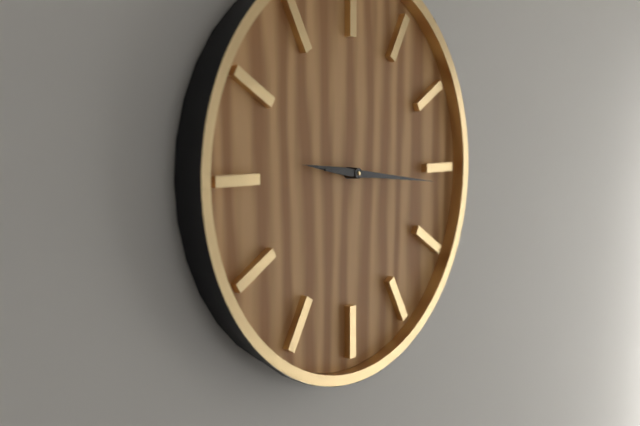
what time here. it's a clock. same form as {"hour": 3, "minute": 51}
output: {"hour": 9, "minute": 16}
